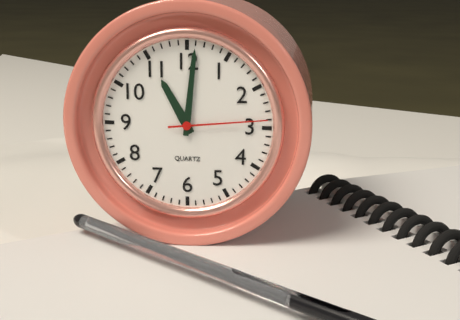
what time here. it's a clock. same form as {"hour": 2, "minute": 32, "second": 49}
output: {"hour": 11, "minute": 1, "second": 14}
